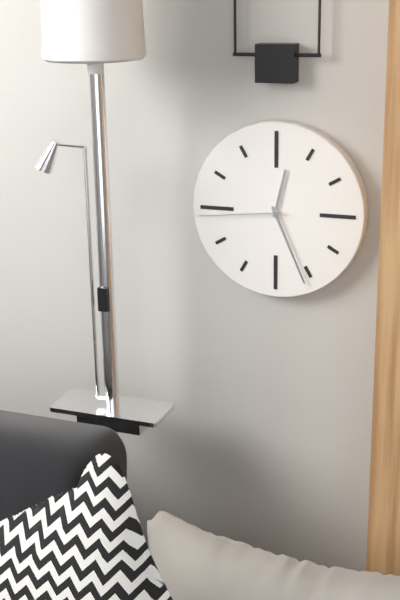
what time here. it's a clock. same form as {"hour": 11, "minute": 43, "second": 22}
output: {"hour": 12, "minute": 26, "second": 44}
